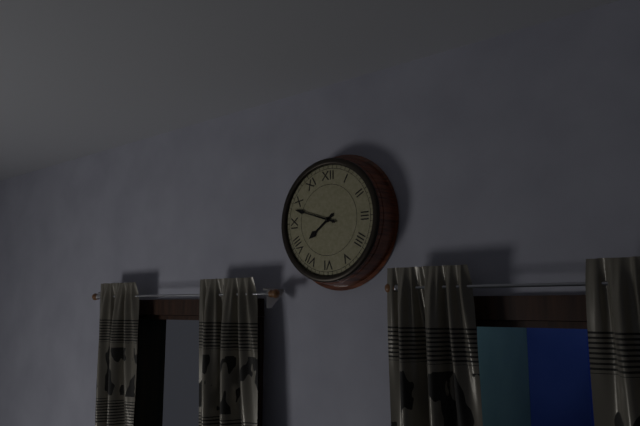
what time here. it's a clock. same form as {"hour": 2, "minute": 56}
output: {"hour": 7, "minute": 48}
